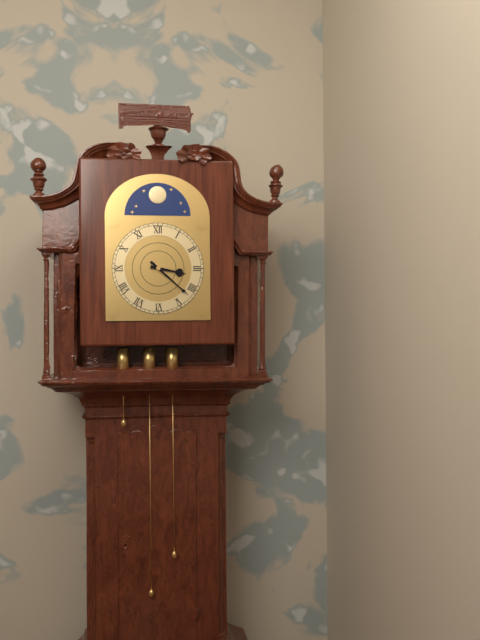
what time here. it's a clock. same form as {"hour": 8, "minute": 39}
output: {"hour": 3, "minute": 22}
